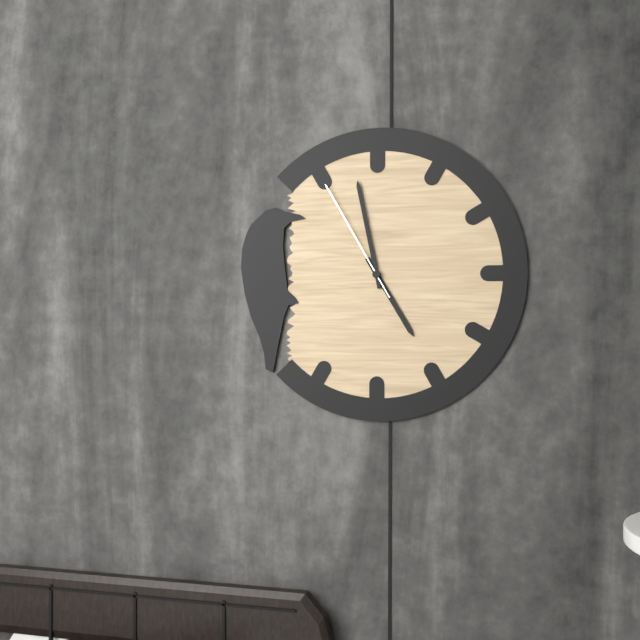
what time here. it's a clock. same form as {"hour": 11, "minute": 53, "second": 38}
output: {"hour": 4, "minute": 58, "second": 55}
